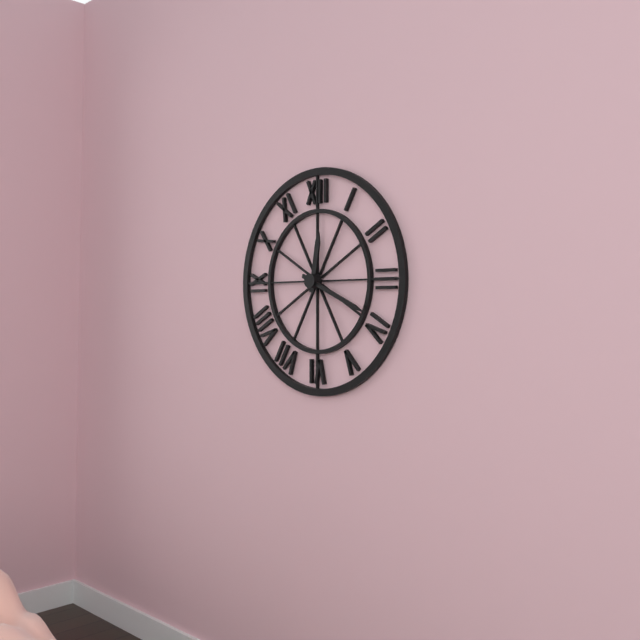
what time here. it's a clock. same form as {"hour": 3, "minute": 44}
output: {"hour": 12, "minute": 19}
